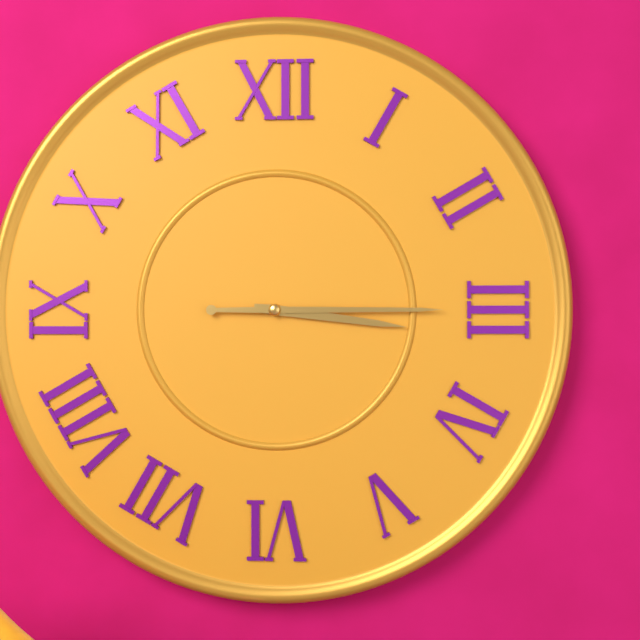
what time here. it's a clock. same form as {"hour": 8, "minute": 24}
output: {"hour": 3, "minute": 15}
